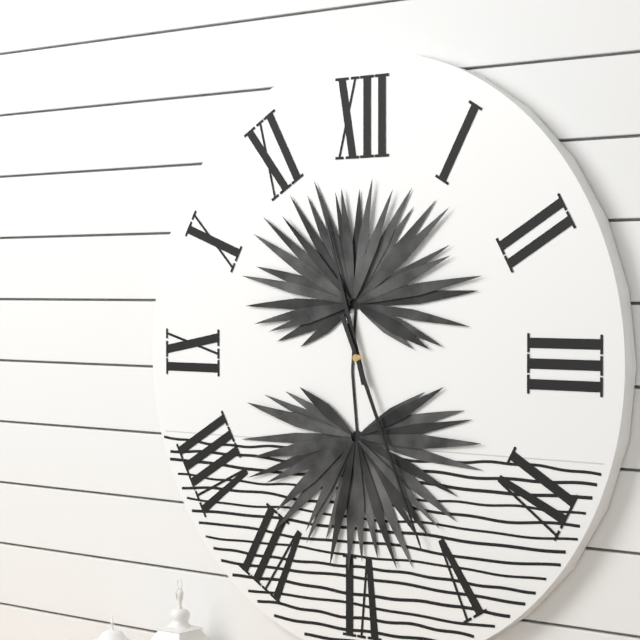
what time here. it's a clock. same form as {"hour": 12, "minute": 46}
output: {"hour": 11, "minute": 26}
